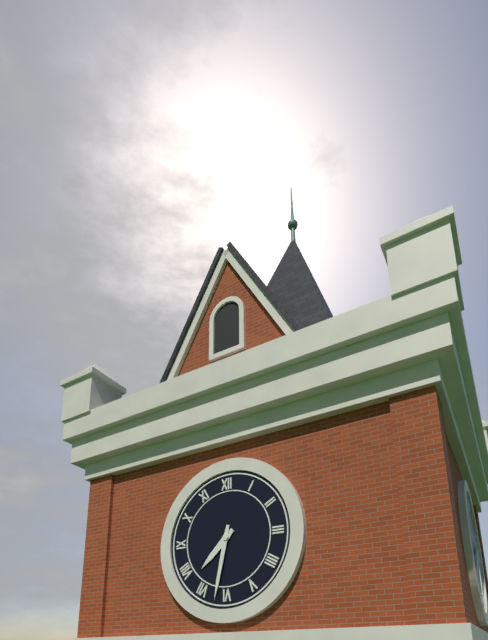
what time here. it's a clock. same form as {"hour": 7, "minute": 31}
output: {"hour": 7, "minute": 32}
